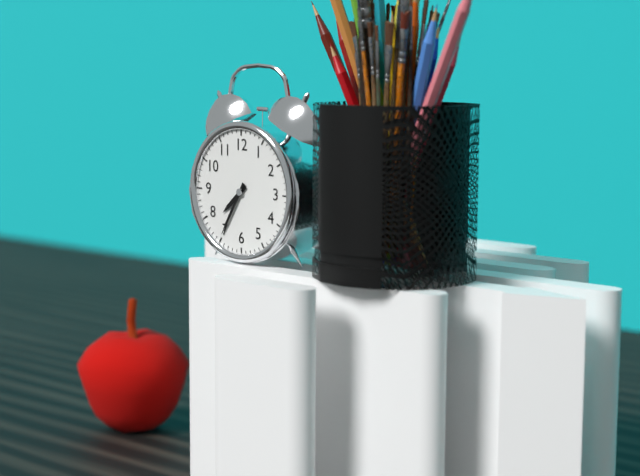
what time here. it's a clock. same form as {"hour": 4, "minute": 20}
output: {"hour": 7, "minute": 35}
